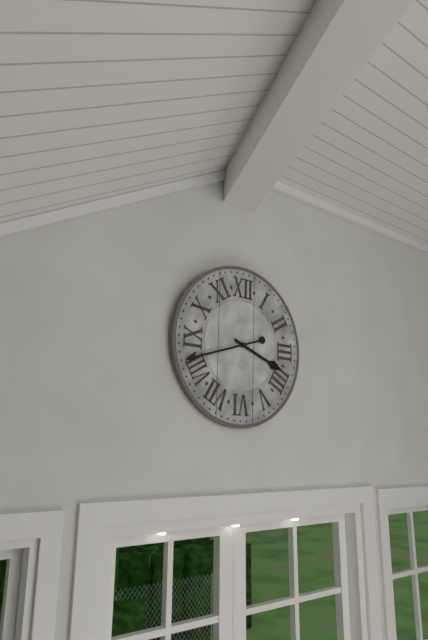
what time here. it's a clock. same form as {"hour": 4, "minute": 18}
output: {"hour": 3, "minute": 42}
